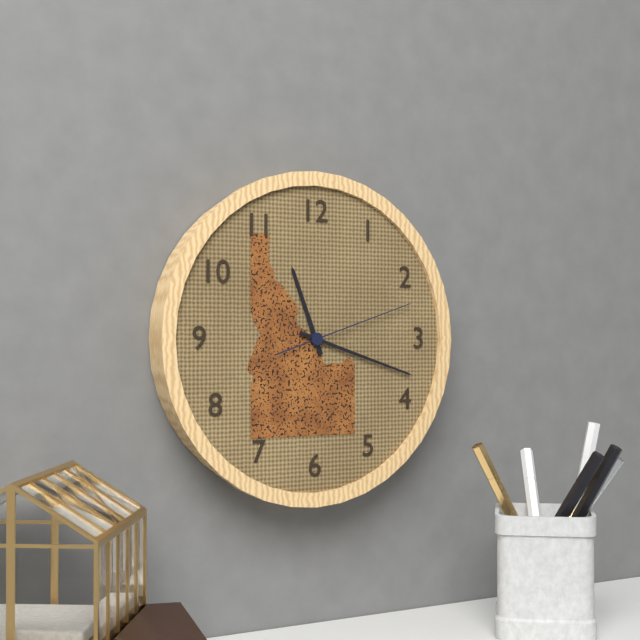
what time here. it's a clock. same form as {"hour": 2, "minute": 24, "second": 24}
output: {"hour": 11, "minute": 18, "second": 12}
